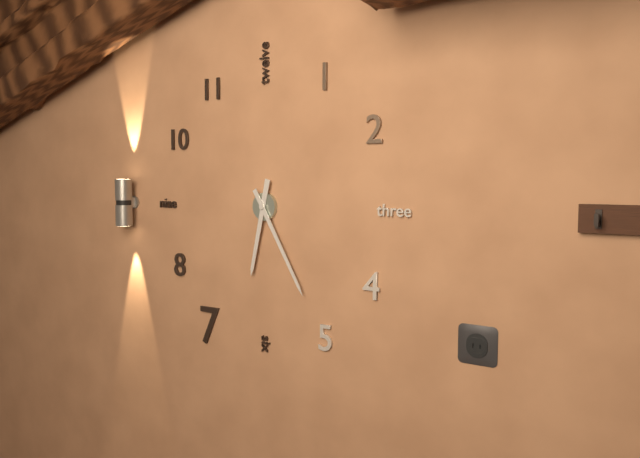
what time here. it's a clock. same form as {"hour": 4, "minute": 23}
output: {"hour": 6, "minute": 25}
